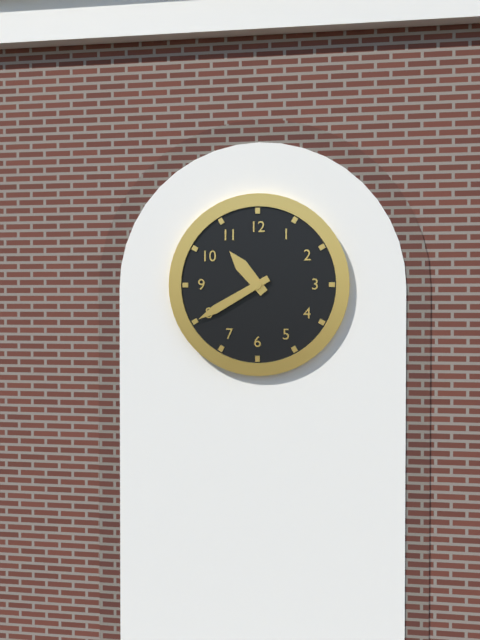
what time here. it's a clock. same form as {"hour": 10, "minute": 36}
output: {"hour": 10, "minute": 40}
